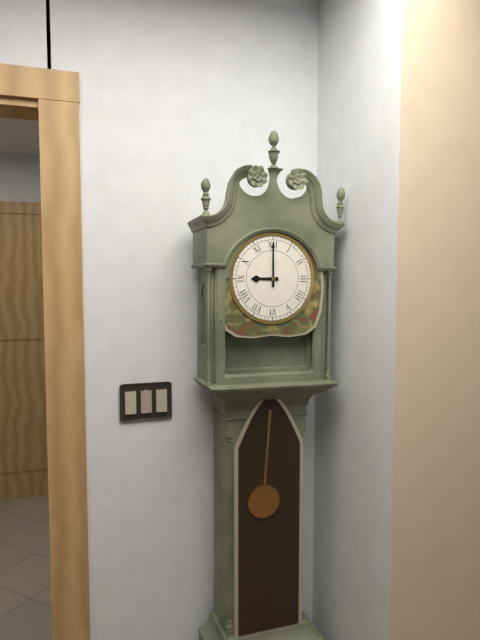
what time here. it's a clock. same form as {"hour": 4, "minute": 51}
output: {"hour": 9, "minute": 0}
